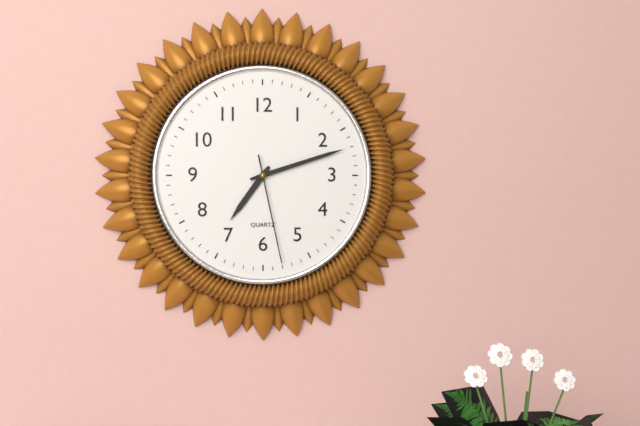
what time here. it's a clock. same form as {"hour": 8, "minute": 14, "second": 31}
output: {"hour": 7, "minute": 12, "second": 28}
